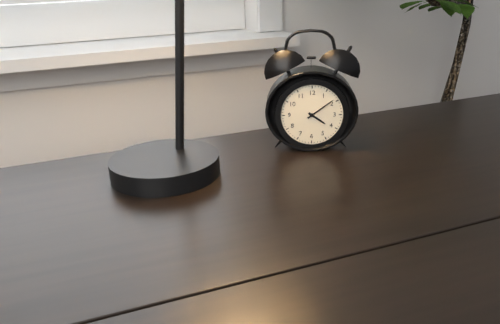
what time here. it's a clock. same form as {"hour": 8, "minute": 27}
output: {"hour": 4, "minute": 9}
